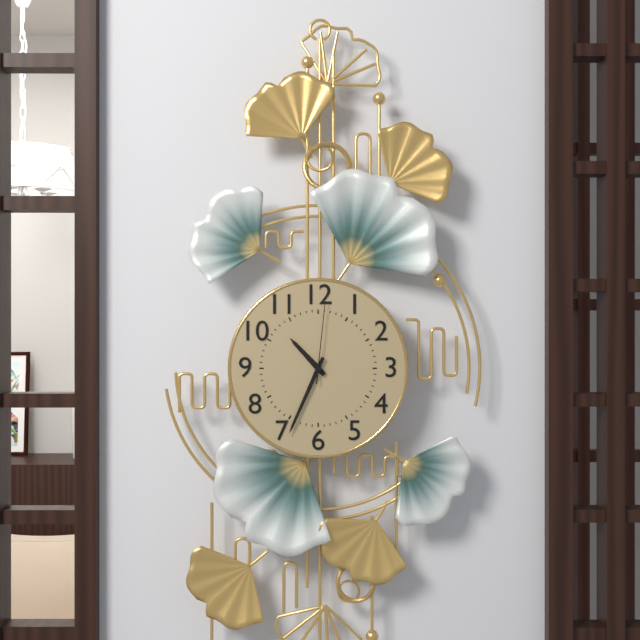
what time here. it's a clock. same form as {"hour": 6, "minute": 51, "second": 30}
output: {"hour": 10, "minute": 34, "second": 1}
